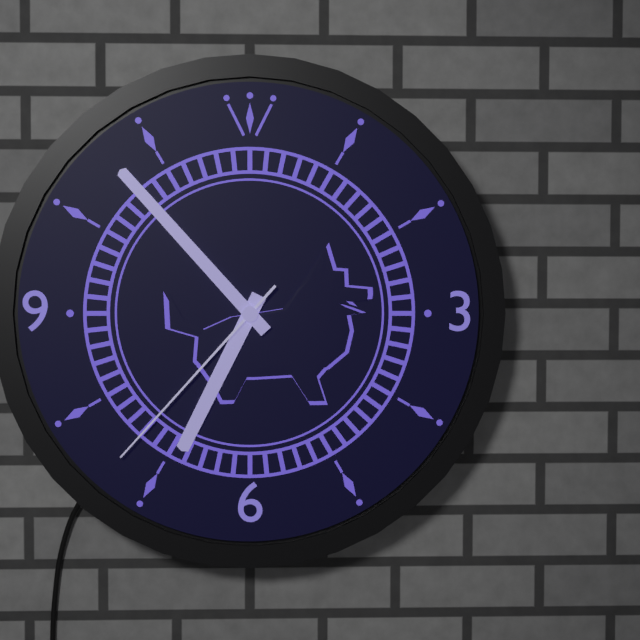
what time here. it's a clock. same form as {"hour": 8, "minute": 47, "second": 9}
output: {"hour": 6, "minute": 53, "second": 37}
